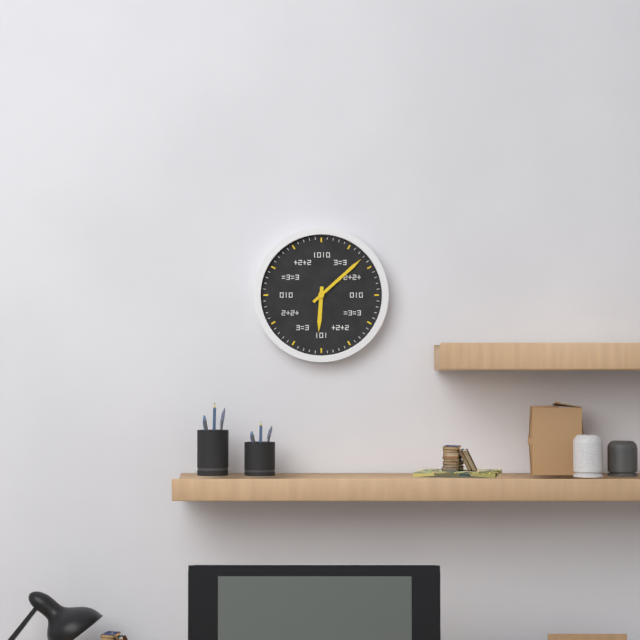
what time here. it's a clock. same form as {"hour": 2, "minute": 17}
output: {"hour": 6, "minute": 8}
